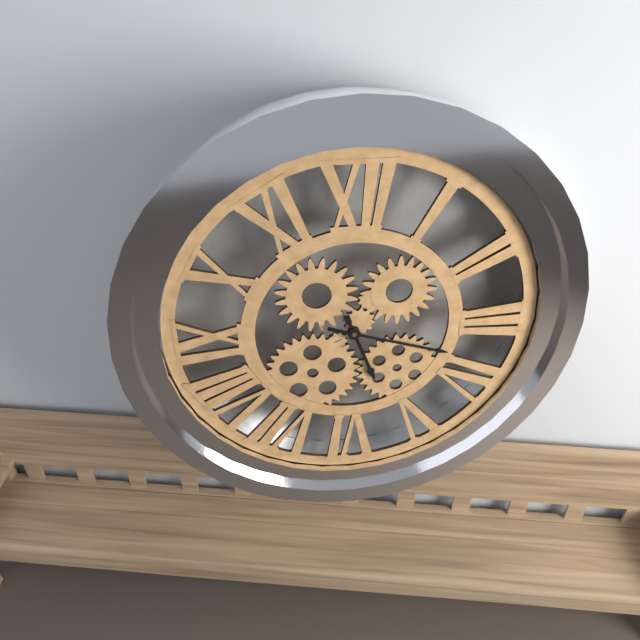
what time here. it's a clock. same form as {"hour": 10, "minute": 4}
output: {"hour": 5, "minute": 18}
